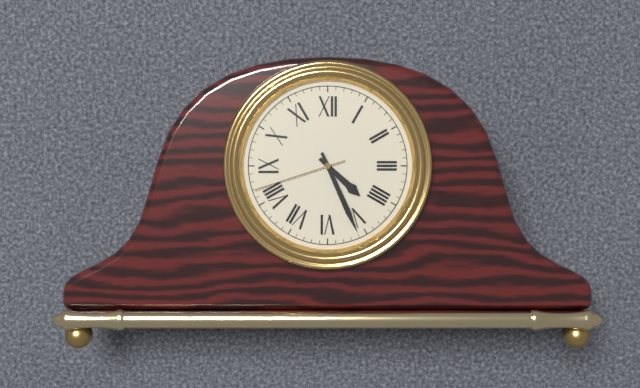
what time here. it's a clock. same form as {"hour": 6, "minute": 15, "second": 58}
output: {"hour": 4, "minute": 26, "second": 42}
